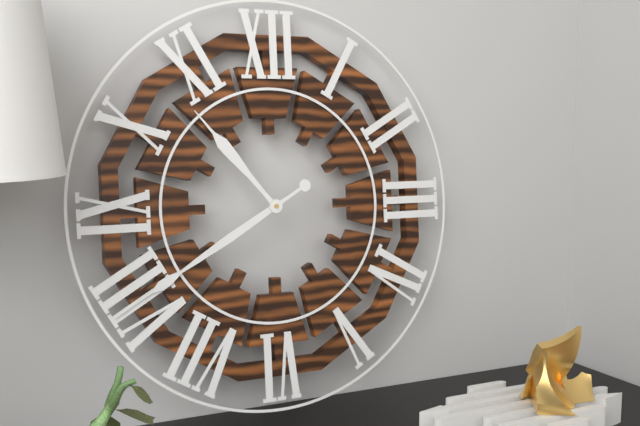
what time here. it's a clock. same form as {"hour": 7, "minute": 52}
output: {"hour": 10, "minute": 40}
